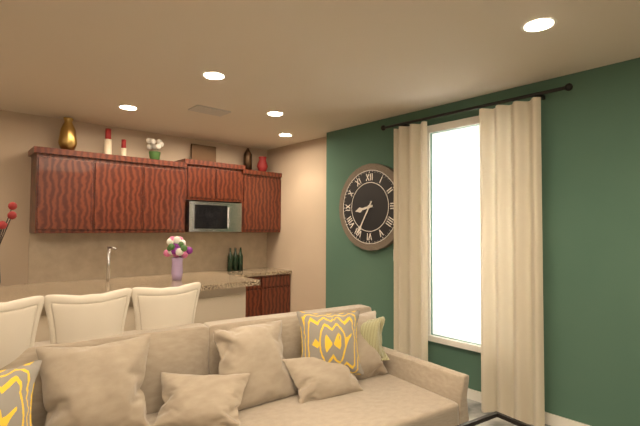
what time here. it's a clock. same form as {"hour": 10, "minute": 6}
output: {"hour": 8, "minute": 35}
